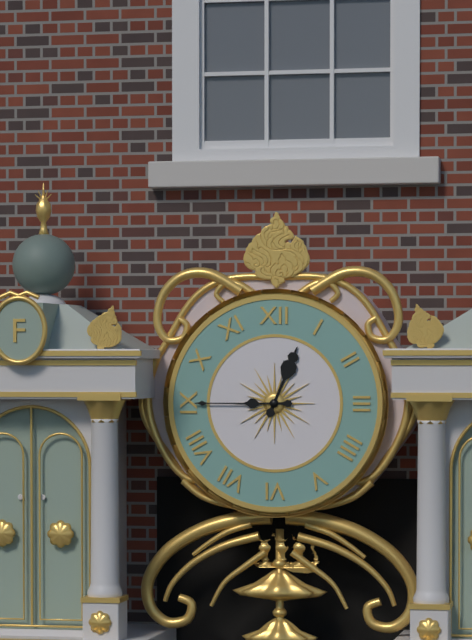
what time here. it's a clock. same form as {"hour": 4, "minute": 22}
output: {"hour": 12, "minute": 45}
